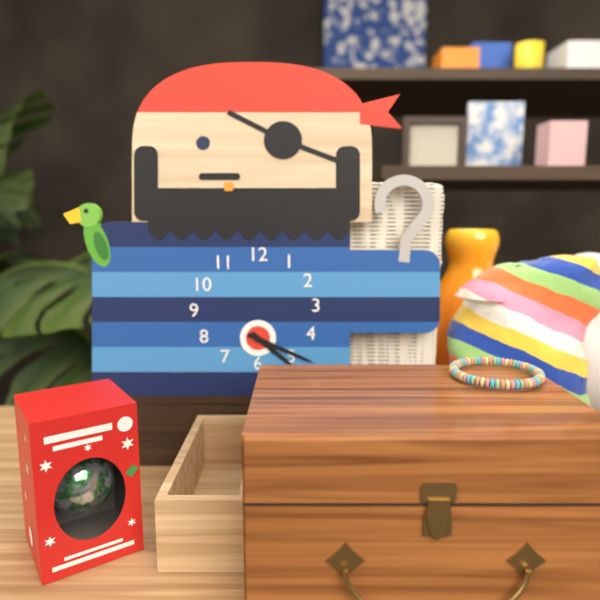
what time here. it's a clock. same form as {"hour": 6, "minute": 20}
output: {"hour": 4, "minute": 19}
